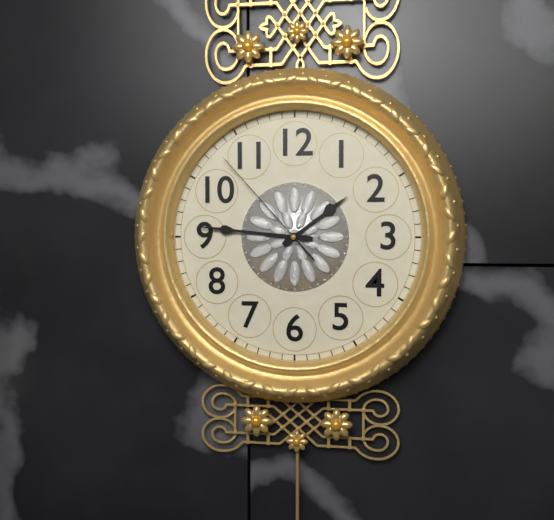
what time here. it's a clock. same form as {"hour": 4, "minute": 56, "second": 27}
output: {"hour": 1, "minute": 46, "second": 53}
